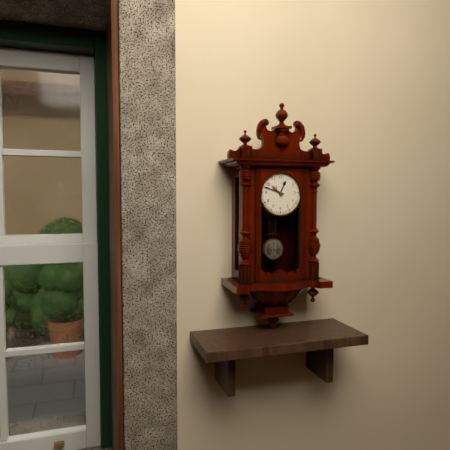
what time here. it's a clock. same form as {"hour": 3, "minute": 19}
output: {"hour": 12, "minute": 48}
